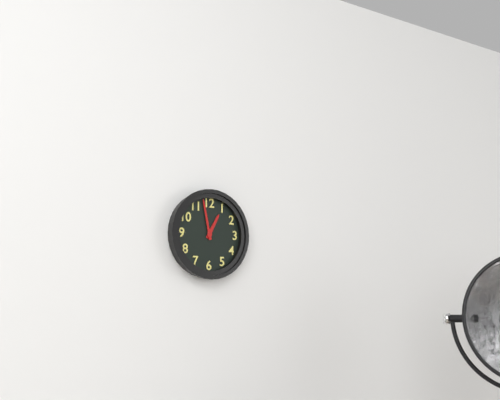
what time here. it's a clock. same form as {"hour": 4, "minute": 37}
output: {"hour": 12, "minute": 58}
